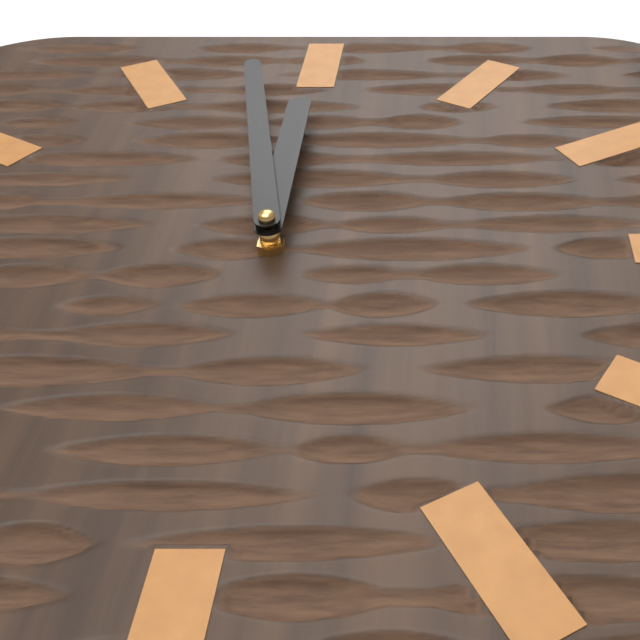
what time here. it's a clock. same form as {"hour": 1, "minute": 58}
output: {"hour": 11, "minute": 58}
